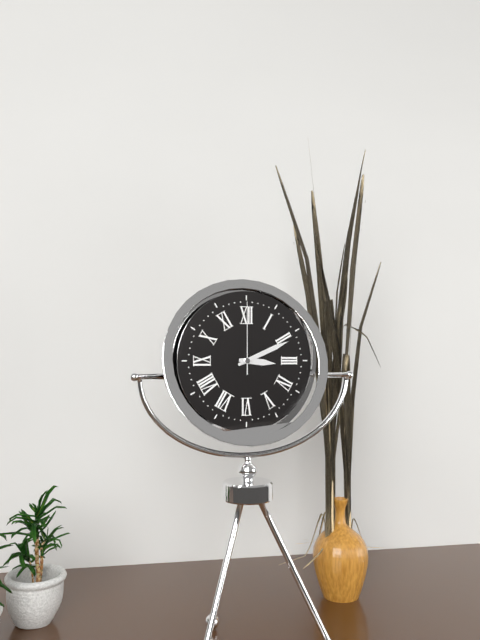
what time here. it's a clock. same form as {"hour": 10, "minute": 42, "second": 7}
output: {"hour": 3, "minute": 11, "second": 0}
